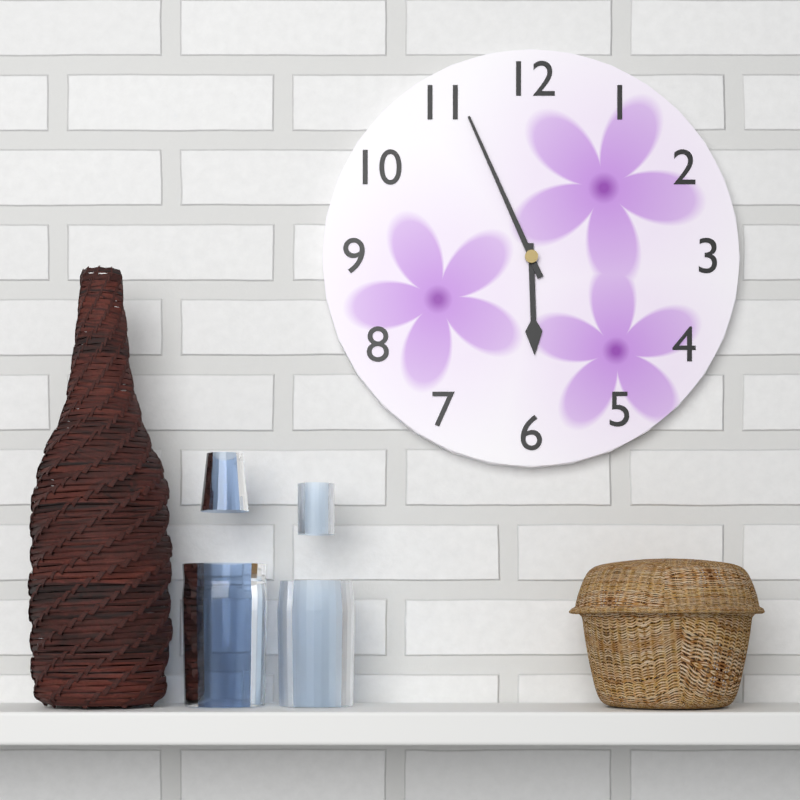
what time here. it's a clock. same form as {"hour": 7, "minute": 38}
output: {"hour": 5, "minute": 56}
